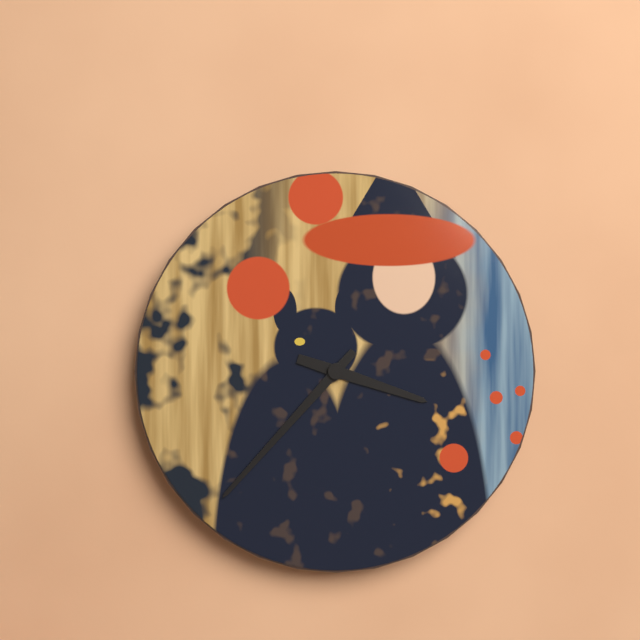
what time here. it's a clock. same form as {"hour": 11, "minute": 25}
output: {"hour": 3, "minute": 37}
